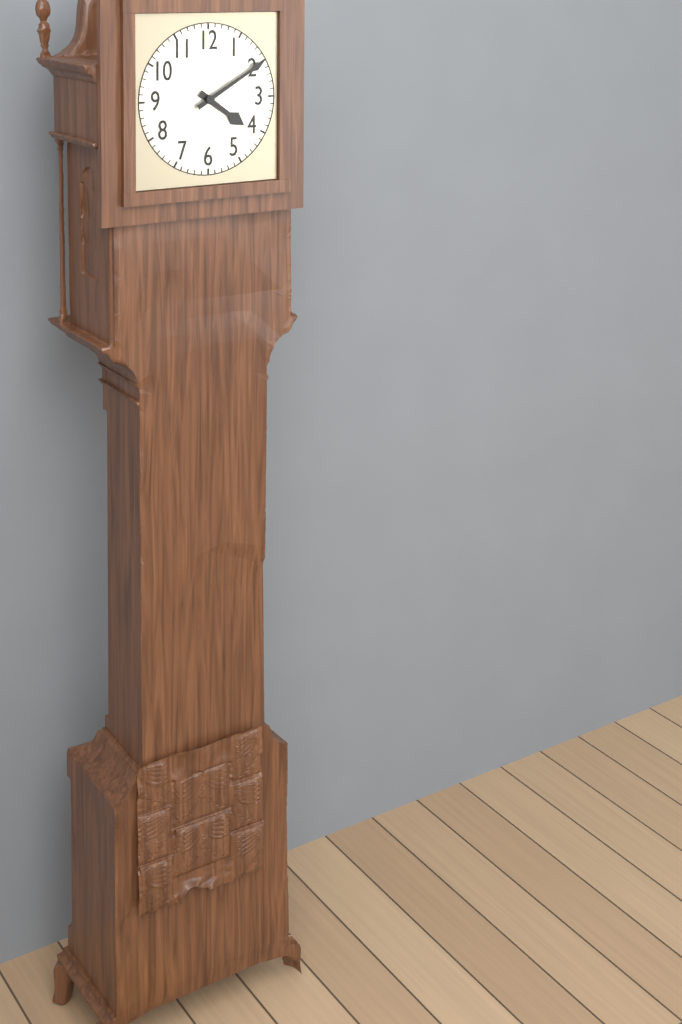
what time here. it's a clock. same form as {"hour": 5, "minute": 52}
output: {"hour": 4, "minute": 10}
